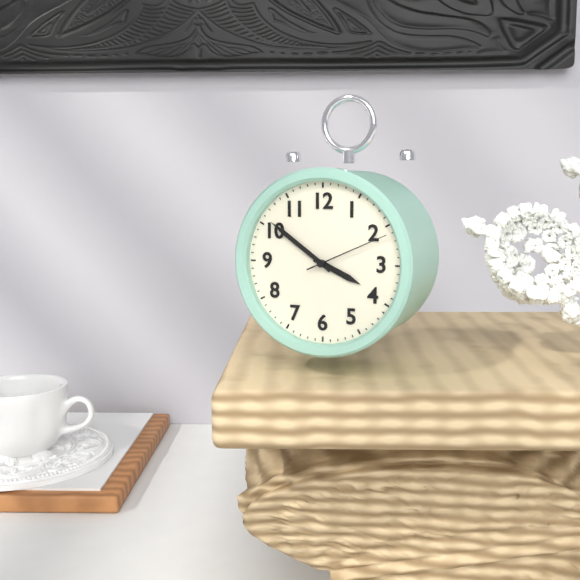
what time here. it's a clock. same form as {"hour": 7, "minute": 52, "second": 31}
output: {"hour": 3, "minute": 51, "second": 11}
